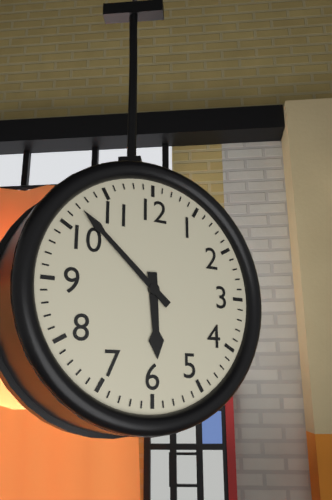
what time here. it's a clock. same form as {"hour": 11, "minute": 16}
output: {"hour": 5, "minute": 52}
